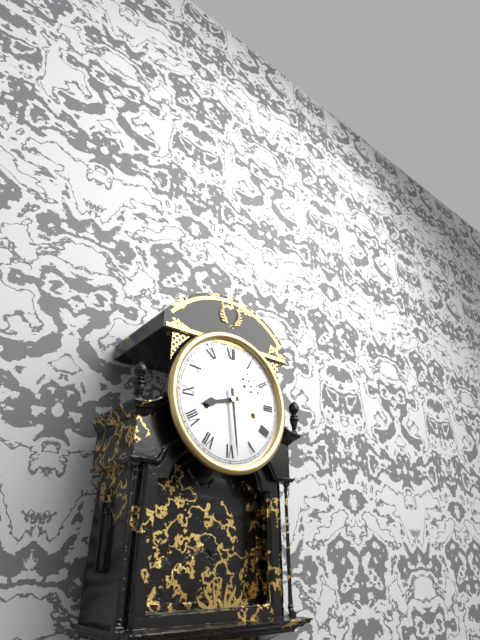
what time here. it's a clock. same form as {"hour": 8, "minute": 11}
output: {"hour": 8, "minute": 29}
